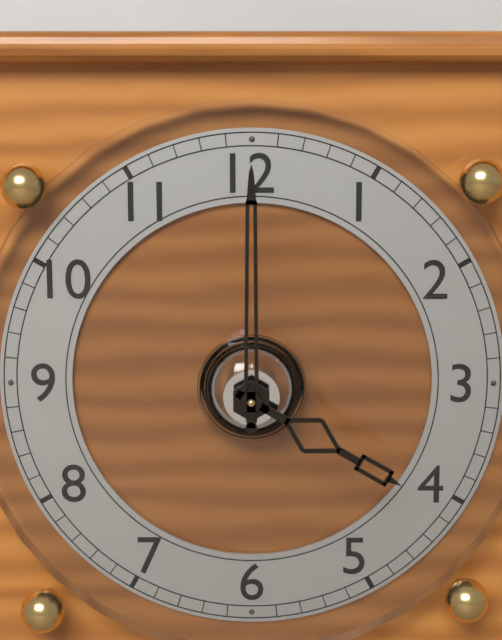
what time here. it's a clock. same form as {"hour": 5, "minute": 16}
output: {"hour": 4, "minute": 0}
